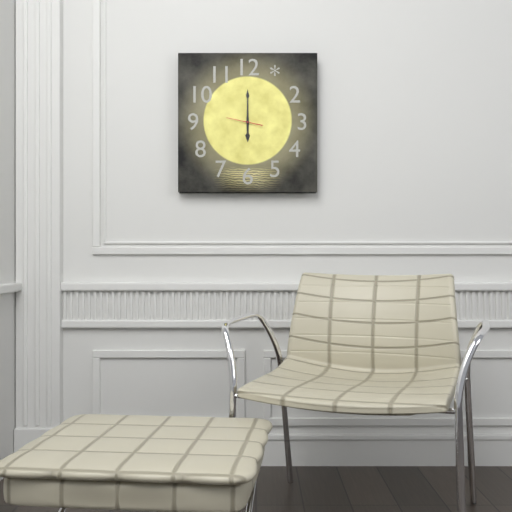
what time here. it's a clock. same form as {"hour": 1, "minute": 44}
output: {"hour": 6, "minute": 0}
